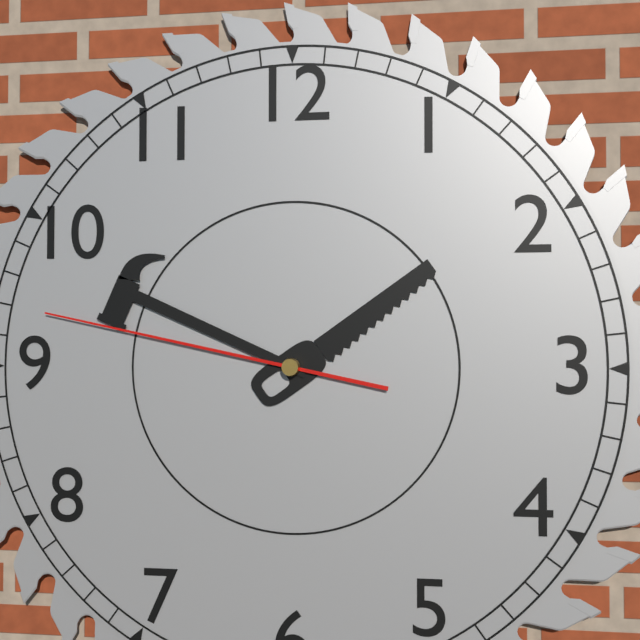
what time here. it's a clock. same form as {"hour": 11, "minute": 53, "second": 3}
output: {"hour": 1, "minute": 49, "second": 47}
